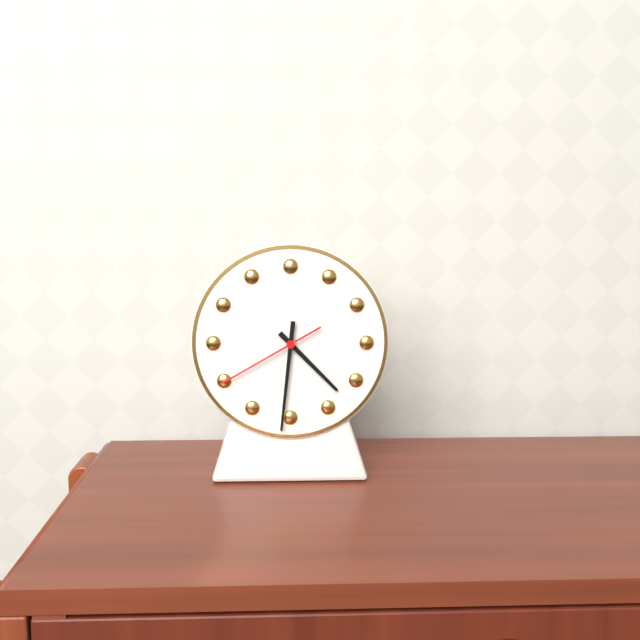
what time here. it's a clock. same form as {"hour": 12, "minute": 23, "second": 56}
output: {"hour": 4, "minute": 31, "second": 40}
